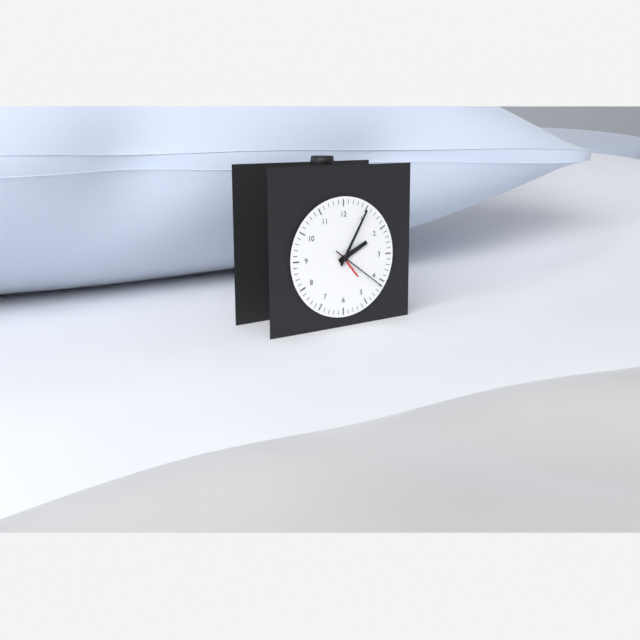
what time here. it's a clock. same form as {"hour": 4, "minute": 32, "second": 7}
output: {"hour": 2, "minute": 5, "second": 21}
